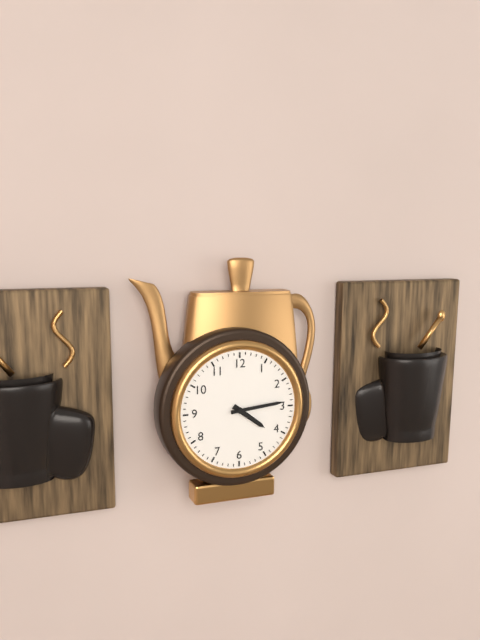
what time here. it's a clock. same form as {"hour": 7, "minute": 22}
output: {"hour": 4, "minute": 14}
